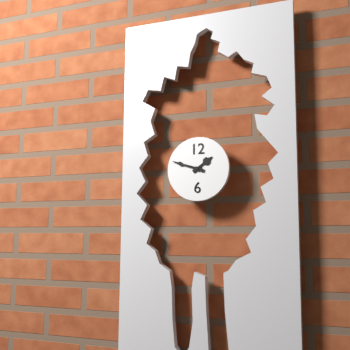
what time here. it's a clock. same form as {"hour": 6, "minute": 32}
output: {"hour": 1, "minute": 48}
